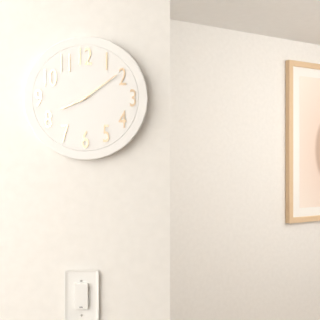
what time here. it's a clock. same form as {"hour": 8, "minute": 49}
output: {"hour": 8, "minute": 9}
